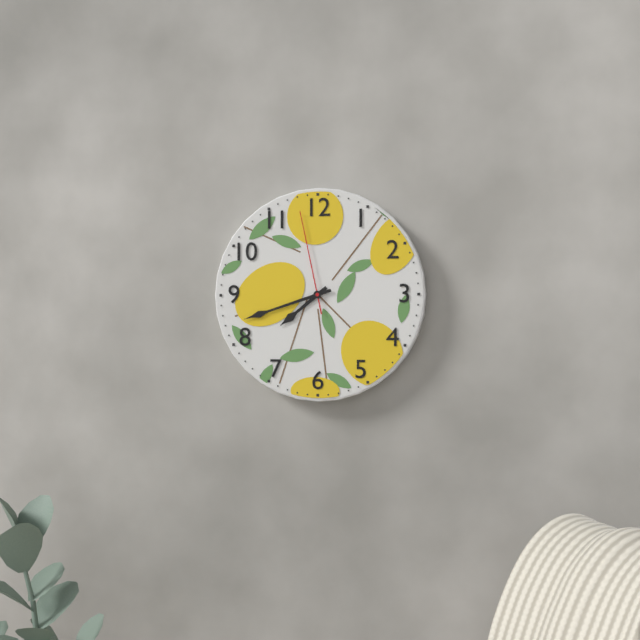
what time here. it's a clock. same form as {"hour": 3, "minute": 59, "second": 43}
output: {"hour": 7, "minute": 42, "second": 58}
